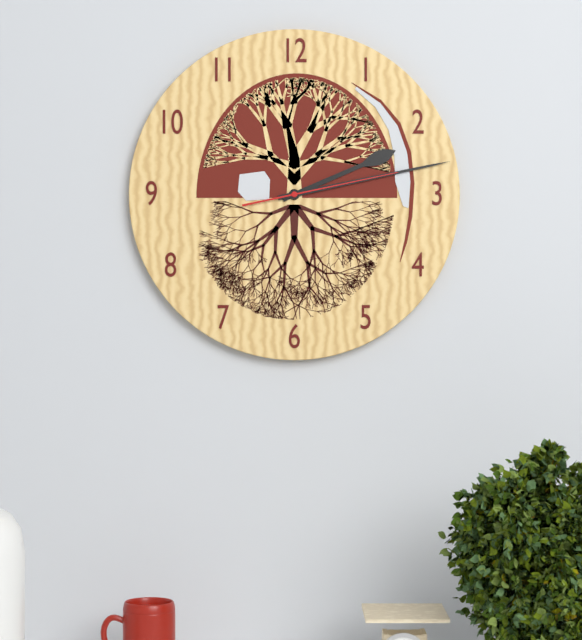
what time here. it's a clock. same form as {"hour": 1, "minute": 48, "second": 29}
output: {"hour": 2, "minute": 13, "second": 13}
